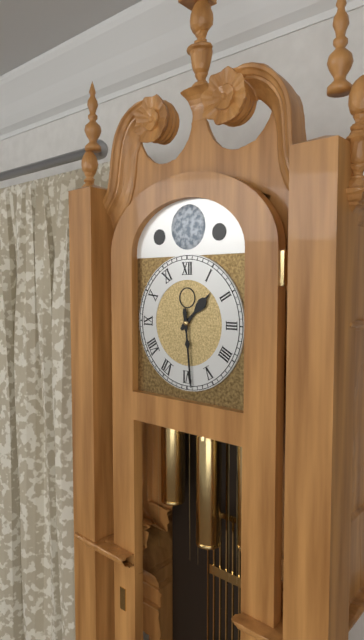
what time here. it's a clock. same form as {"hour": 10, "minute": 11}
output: {"hour": 1, "minute": 29}
